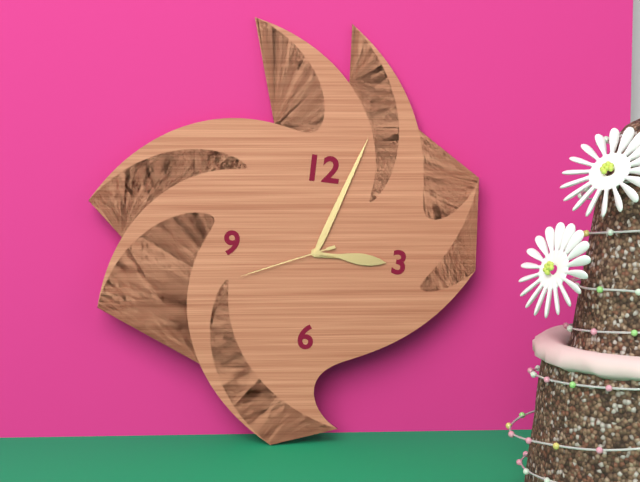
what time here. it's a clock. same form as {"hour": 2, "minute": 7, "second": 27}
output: {"hour": 3, "minute": 3, "second": 41}
